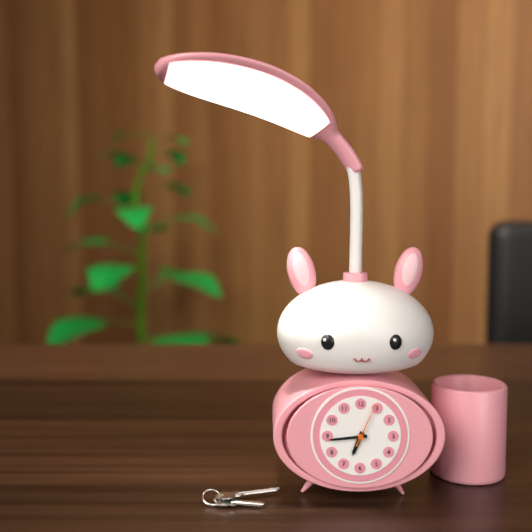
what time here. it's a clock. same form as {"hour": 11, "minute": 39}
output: {"hour": 6, "minute": 44}
